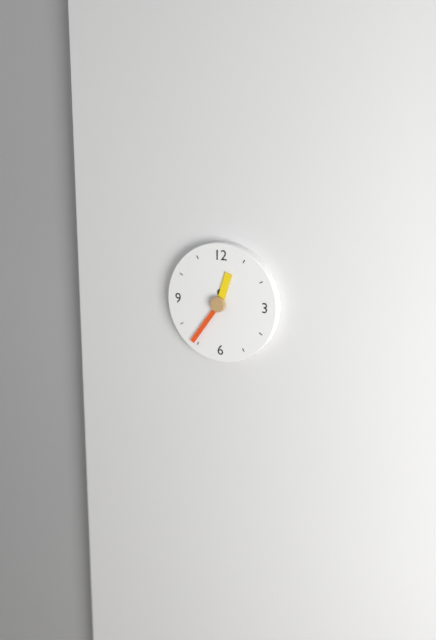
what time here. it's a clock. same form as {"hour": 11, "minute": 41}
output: {"hour": 12, "minute": 36}
